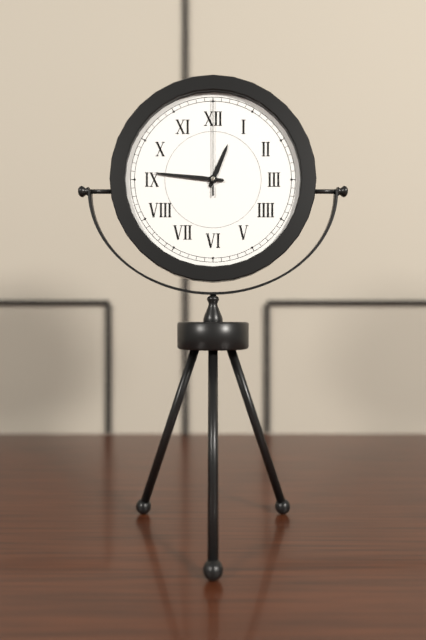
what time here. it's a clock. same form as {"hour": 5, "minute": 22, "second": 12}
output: {"hour": 12, "minute": 46, "second": 0}
